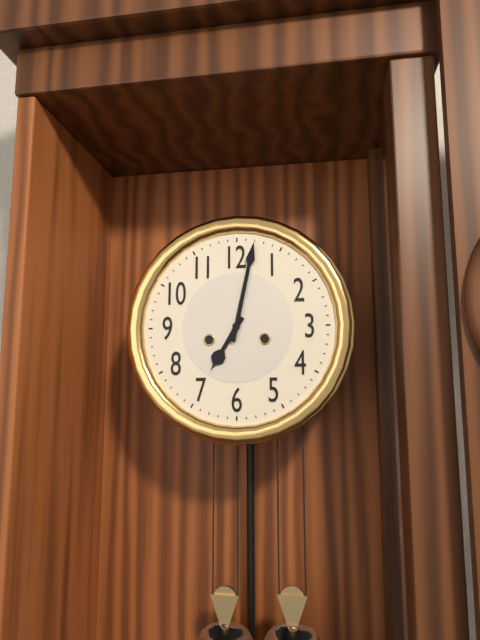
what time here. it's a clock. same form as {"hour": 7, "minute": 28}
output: {"hour": 7, "minute": 2}
